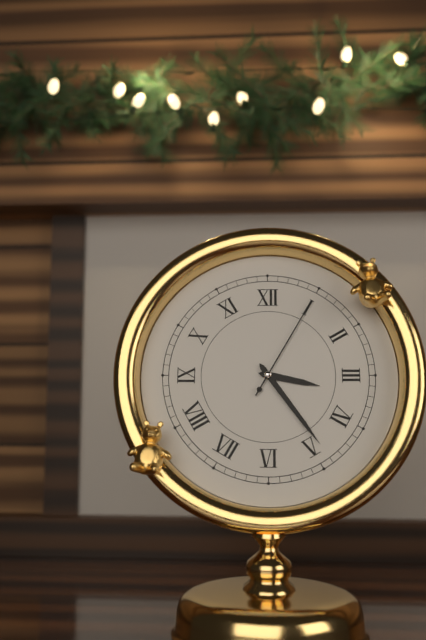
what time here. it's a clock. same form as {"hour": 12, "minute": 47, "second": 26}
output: {"hour": 3, "minute": 24, "second": 5}
